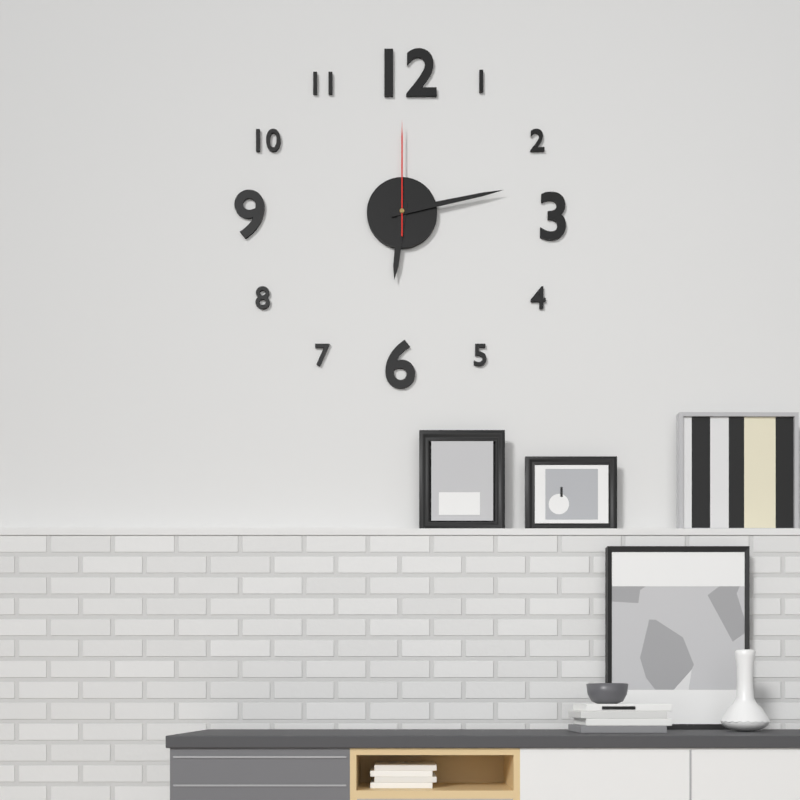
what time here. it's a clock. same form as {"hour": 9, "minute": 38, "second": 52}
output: {"hour": 6, "minute": 13, "second": 0}
